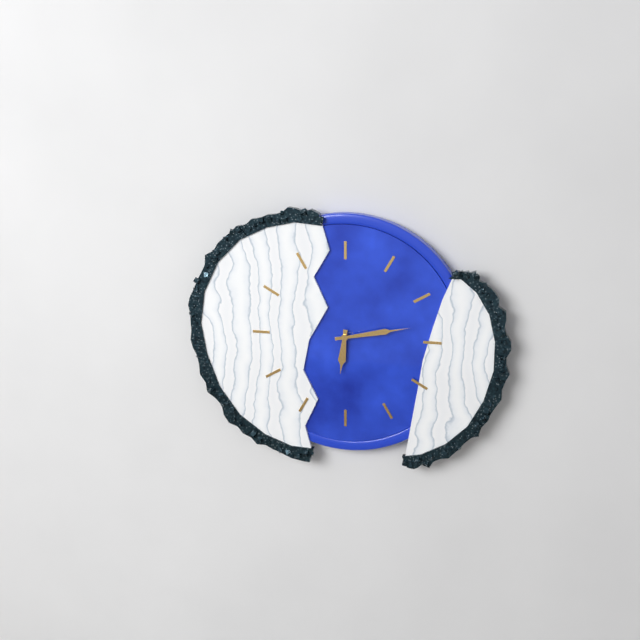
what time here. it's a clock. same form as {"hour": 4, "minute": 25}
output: {"hour": 6, "minute": 13}
